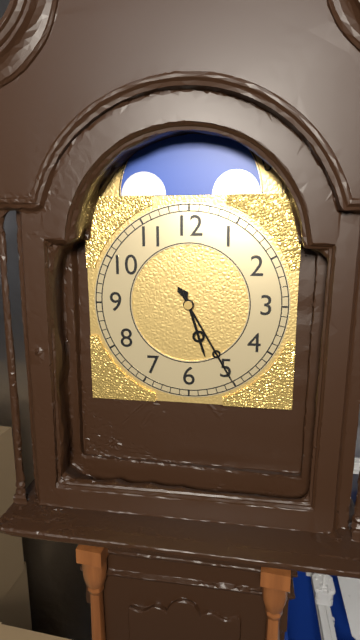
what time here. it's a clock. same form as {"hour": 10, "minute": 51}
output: {"hour": 5, "minute": 25}
